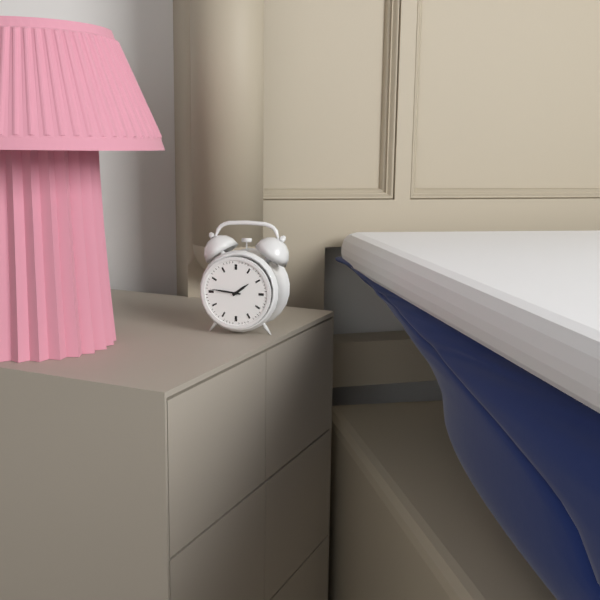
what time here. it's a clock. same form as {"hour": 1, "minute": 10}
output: {"hour": 1, "minute": 46}
